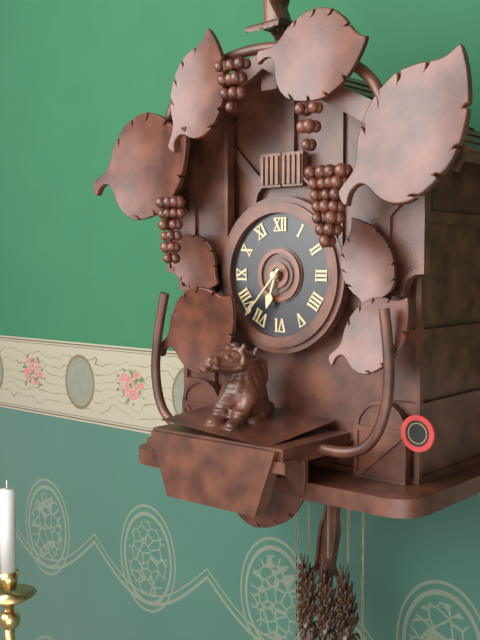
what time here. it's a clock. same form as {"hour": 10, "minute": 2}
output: {"hour": 6, "minute": 37}
